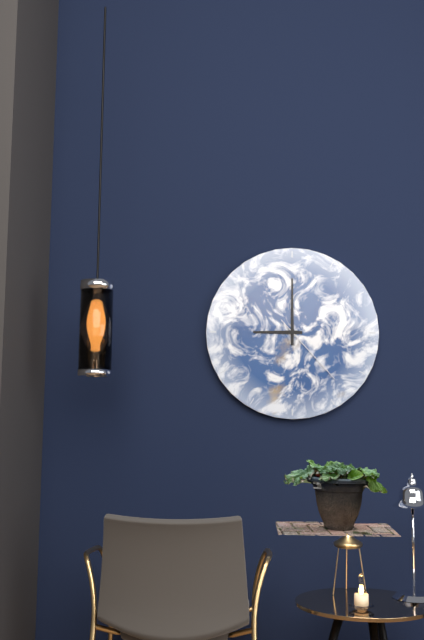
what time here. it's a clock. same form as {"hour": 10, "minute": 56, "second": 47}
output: {"hour": 9, "minute": 0, "second": 23}
